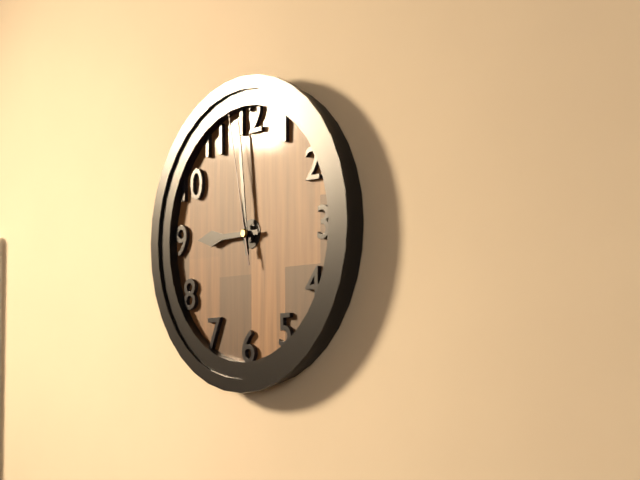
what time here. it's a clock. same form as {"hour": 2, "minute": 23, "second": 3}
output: {"hour": 8, "minute": 59, "second": 58}
